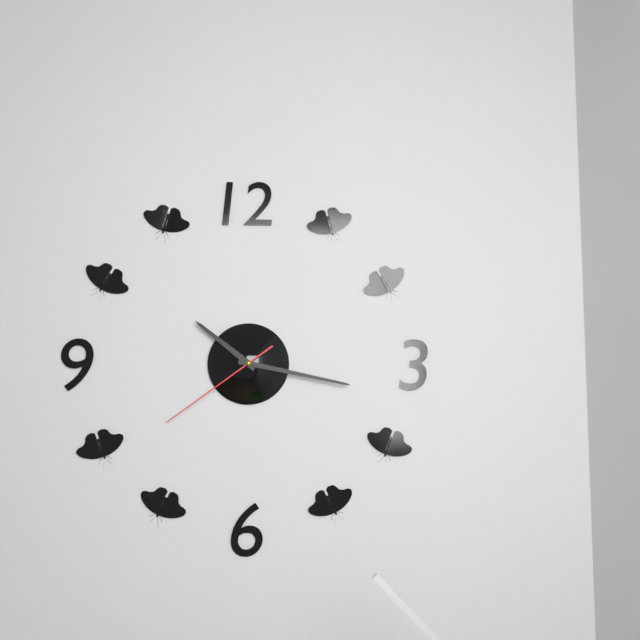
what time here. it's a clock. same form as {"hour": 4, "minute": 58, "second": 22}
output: {"hour": 10, "minute": 17, "second": 39}
